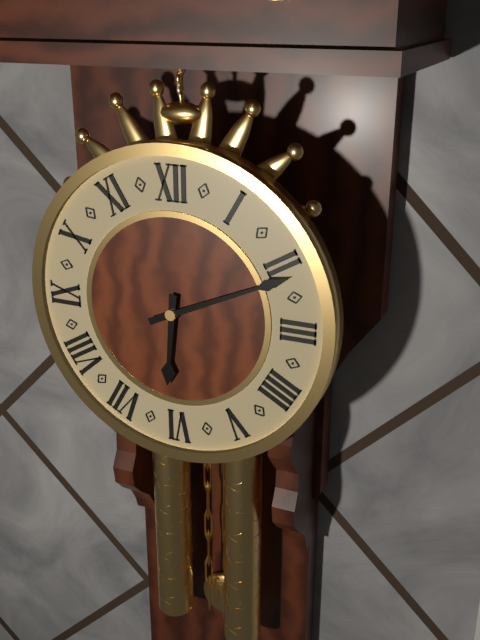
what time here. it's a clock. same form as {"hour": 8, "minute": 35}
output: {"hour": 6, "minute": 11}
